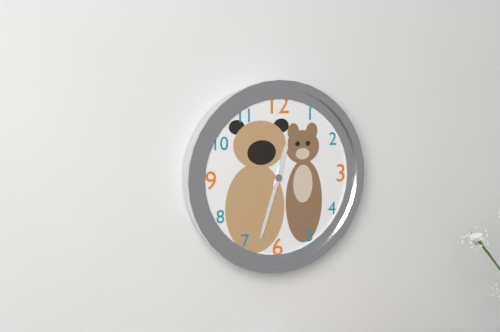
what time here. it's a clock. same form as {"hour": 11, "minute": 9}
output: {"hour": 12, "minute": 33}
